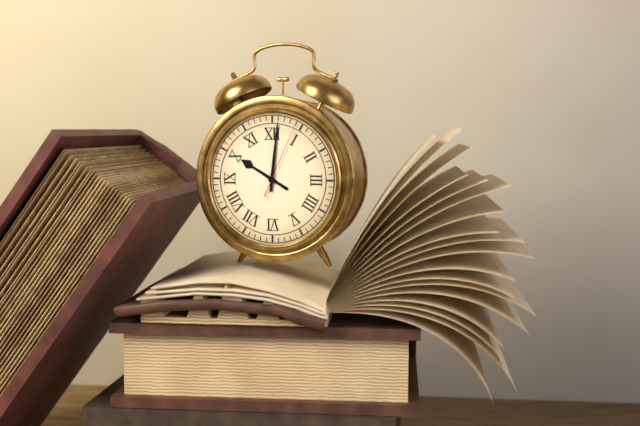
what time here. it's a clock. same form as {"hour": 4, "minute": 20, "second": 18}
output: {"hour": 10, "minute": 1, "second": 4}
